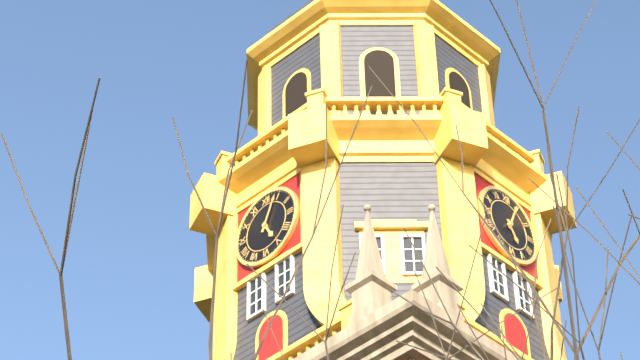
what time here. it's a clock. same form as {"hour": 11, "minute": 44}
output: {"hour": 5, "minute": 4}
